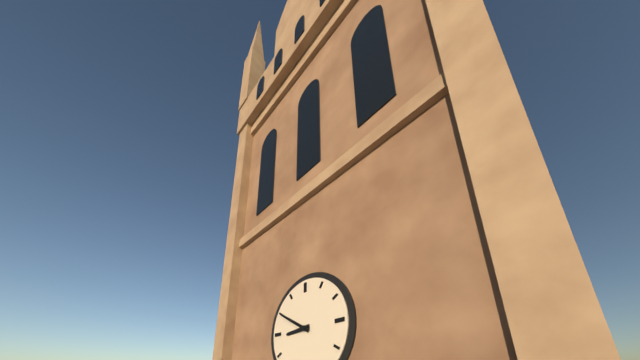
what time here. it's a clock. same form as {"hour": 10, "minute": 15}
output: {"hour": 8, "minute": 50}
